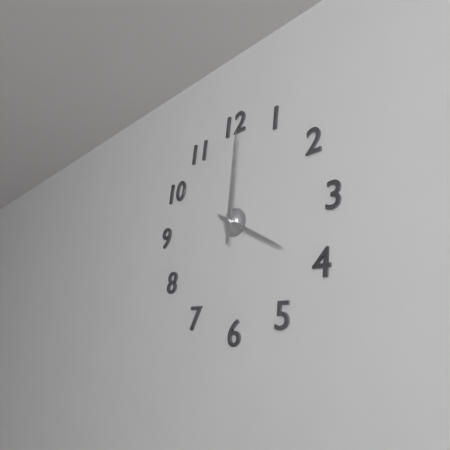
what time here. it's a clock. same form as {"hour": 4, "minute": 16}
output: {"hour": 4, "minute": 1}
